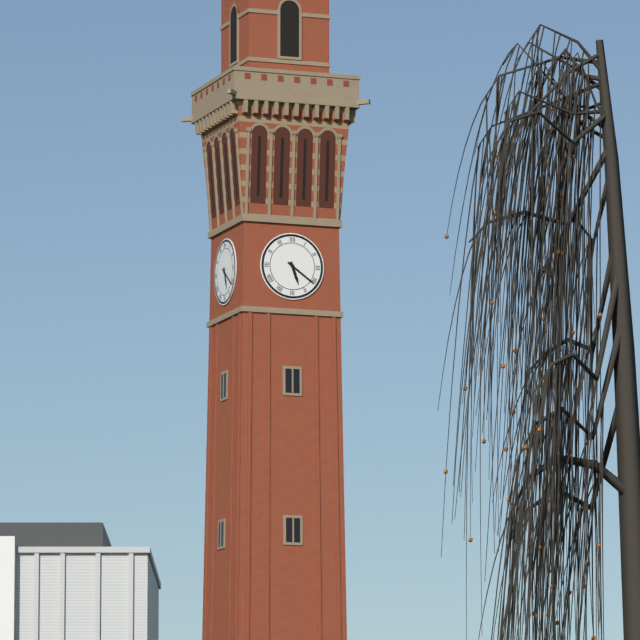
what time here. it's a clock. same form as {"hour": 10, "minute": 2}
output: {"hour": 5, "minute": 21}
